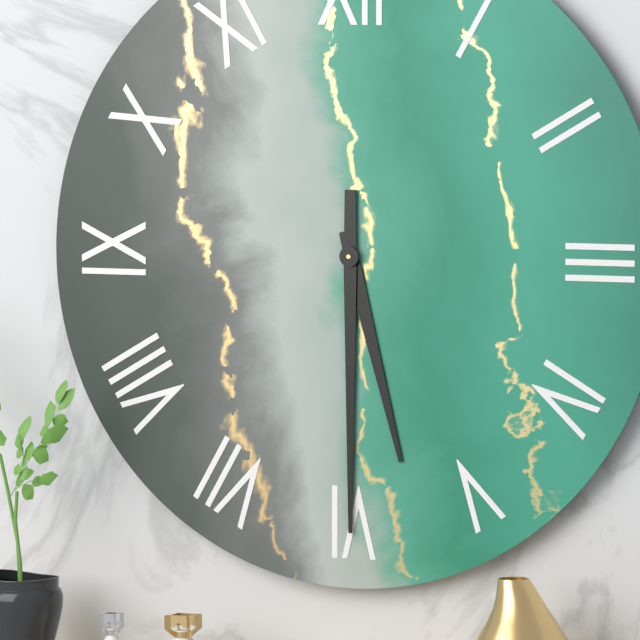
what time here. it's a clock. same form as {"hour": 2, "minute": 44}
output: {"hour": 5, "minute": 30}
